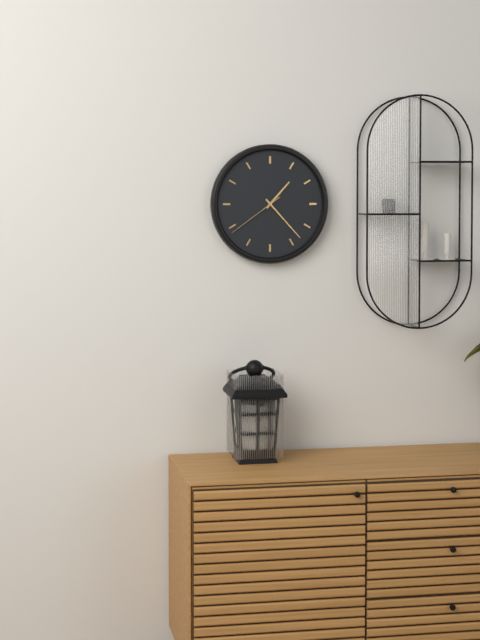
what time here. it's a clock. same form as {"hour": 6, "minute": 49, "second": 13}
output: {"hour": 1, "minute": 23, "second": 39}
